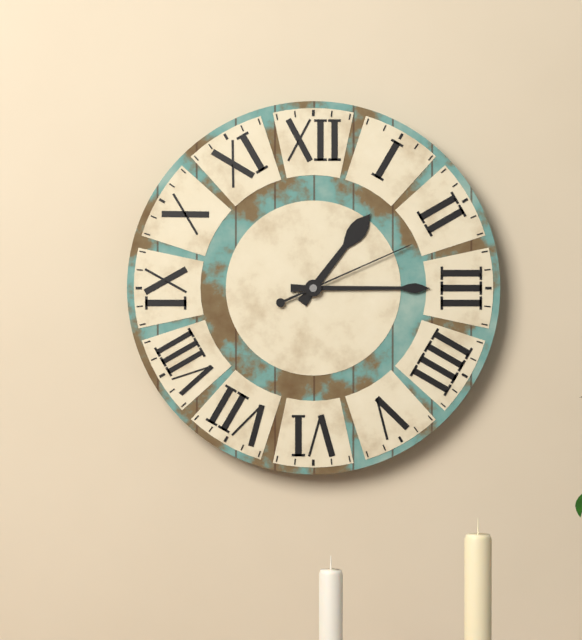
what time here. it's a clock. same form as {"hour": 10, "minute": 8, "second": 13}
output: {"hour": 1, "minute": 15, "second": 11}
